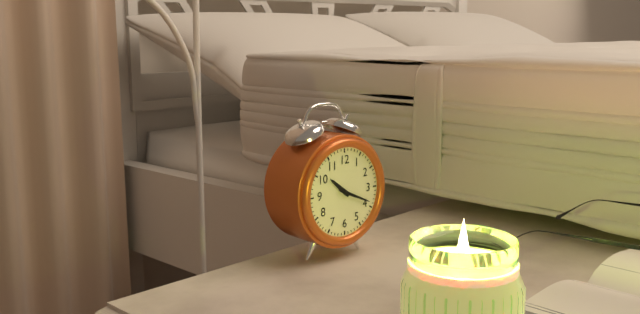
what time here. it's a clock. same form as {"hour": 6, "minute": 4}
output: {"hour": 10, "minute": 19}
